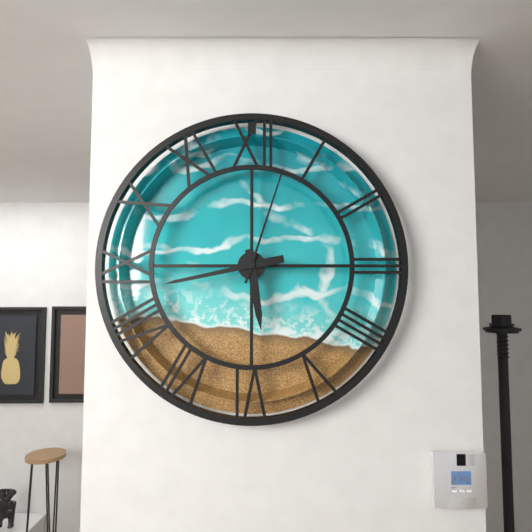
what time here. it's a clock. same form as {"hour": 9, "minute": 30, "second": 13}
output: {"hour": 5, "minute": 43, "second": 3}
